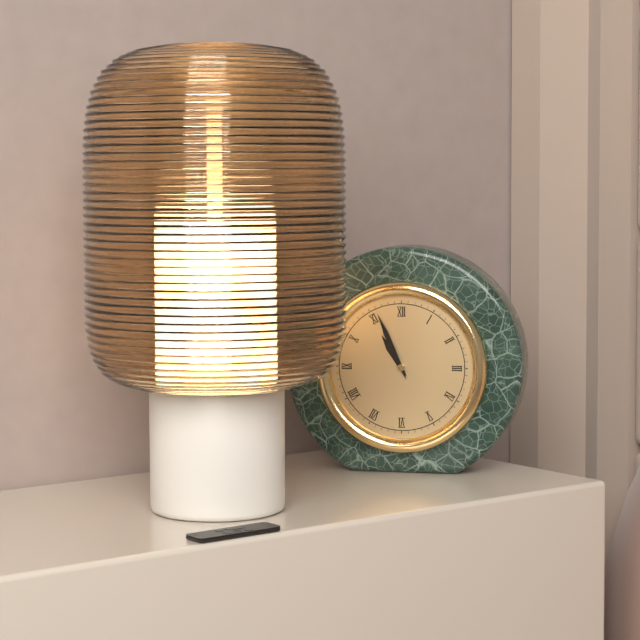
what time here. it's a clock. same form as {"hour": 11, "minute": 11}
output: {"hour": 10, "minute": 56}
